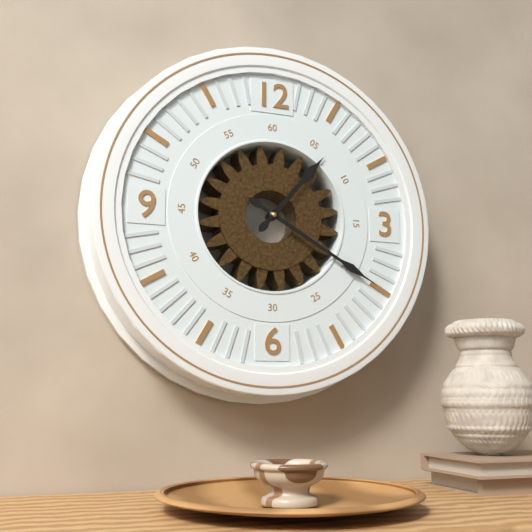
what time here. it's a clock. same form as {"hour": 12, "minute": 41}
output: {"hour": 1, "minute": 20}
